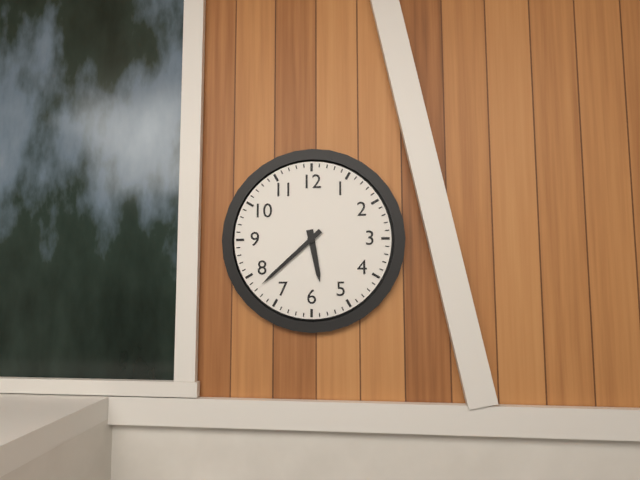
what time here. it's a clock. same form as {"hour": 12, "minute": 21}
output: {"hour": 5, "minute": 38}
